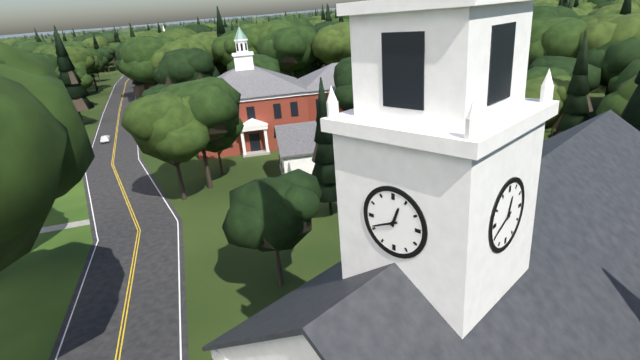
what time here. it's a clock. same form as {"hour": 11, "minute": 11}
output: {"hour": 12, "minute": 41}
